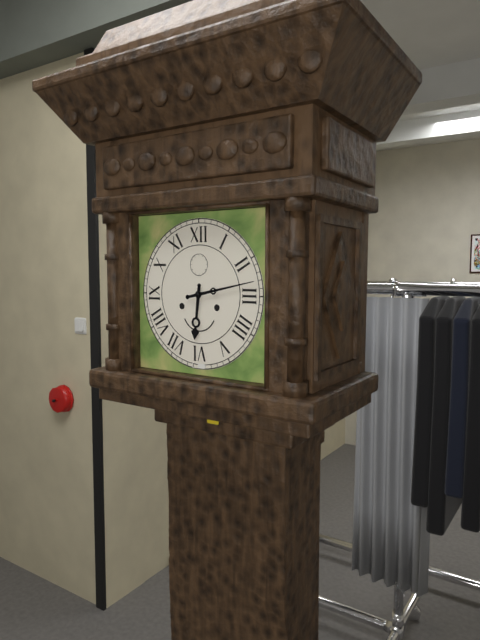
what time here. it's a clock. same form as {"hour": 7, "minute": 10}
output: {"hour": 6, "minute": 13}
